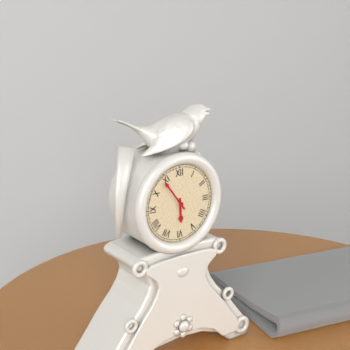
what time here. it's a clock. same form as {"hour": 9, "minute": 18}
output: {"hour": 5, "minute": 54}
